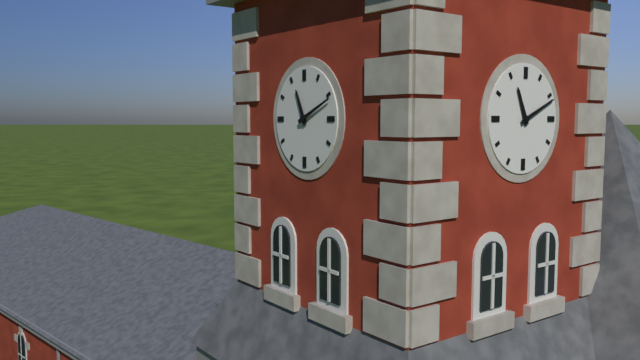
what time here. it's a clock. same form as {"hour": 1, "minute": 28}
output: {"hour": 11, "minute": 11}
